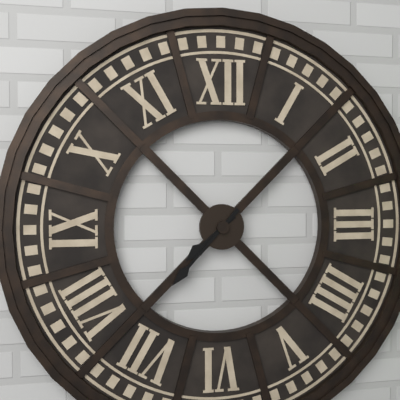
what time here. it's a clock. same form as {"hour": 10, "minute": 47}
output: {"hour": 7, "minute": 37}
